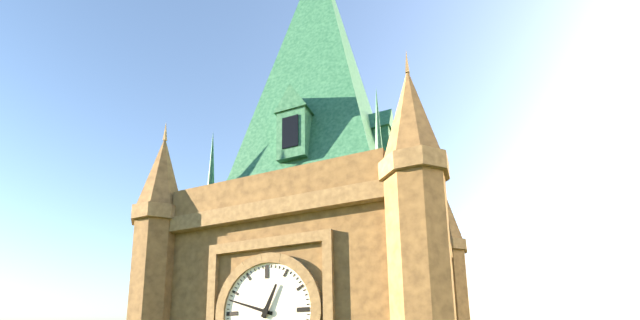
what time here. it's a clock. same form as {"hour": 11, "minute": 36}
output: {"hour": 12, "minute": 48}
